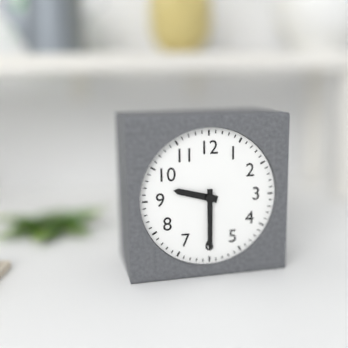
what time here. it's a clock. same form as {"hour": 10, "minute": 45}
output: {"hour": 9, "minute": 30}
